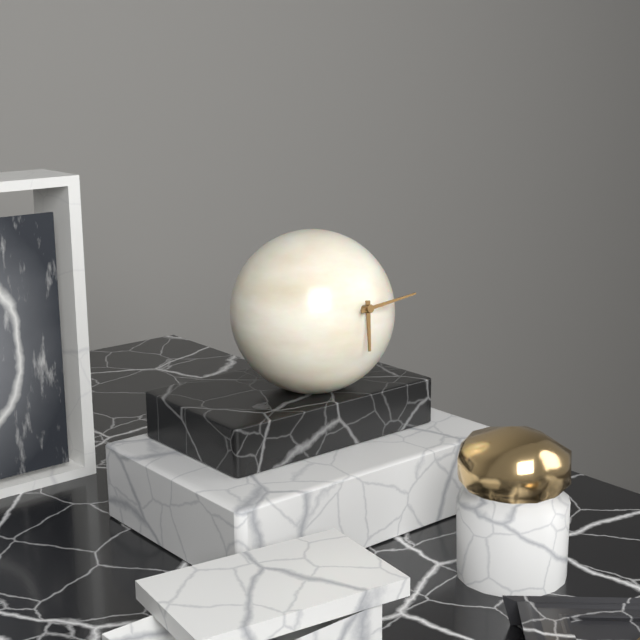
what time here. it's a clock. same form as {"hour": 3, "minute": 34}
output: {"hour": 6, "minute": 14}
